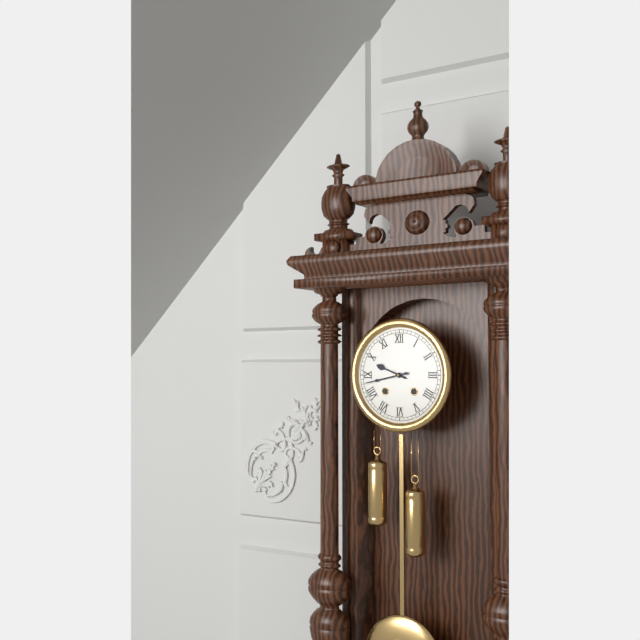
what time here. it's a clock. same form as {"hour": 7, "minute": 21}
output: {"hour": 9, "minute": 43}
